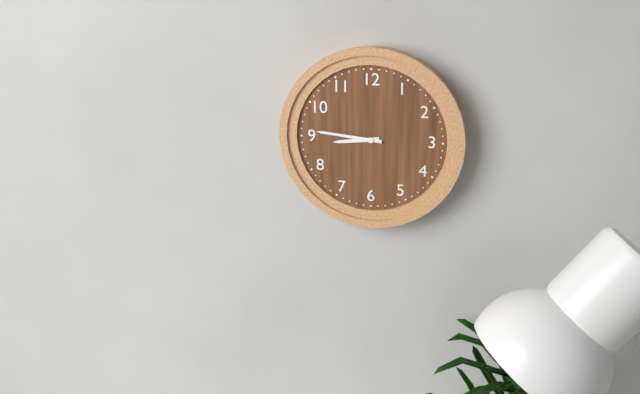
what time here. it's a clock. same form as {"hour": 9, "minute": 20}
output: {"hour": 8, "minute": 46}
